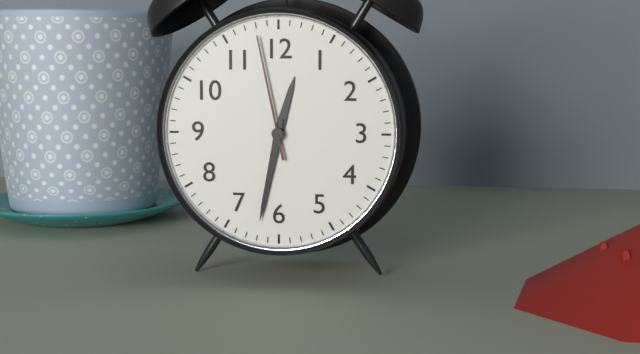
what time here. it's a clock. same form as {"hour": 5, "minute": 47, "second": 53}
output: {"hour": 12, "minute": 32, "second": 58}
